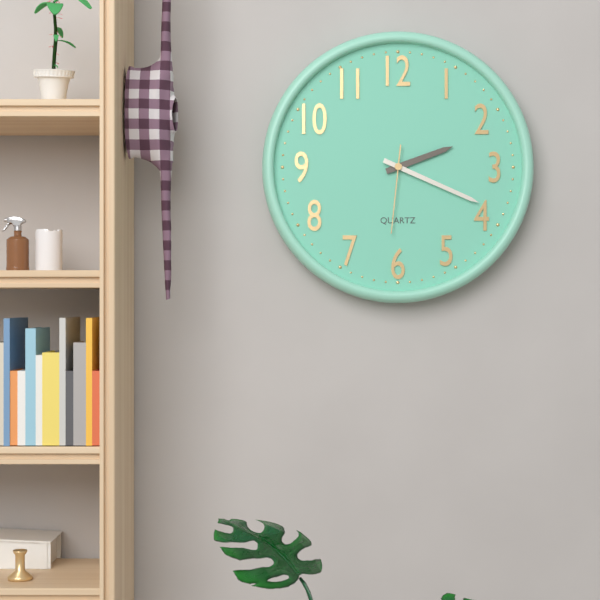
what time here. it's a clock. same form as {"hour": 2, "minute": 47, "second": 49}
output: {"hour": 2, "minute": 19, "second": 31}
